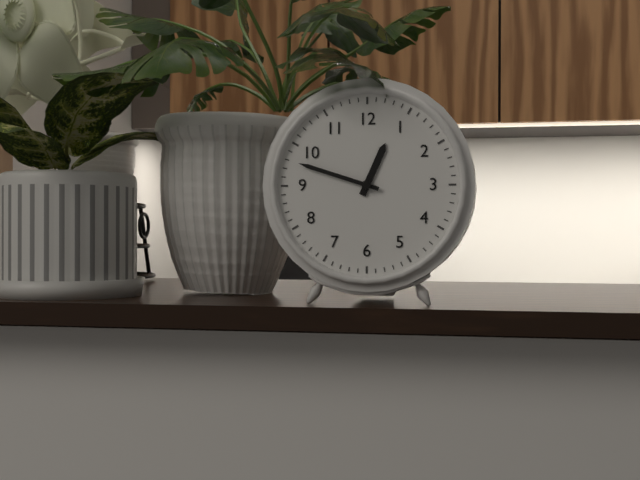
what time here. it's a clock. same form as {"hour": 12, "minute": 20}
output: {"hour": 12, "minute": 48}
